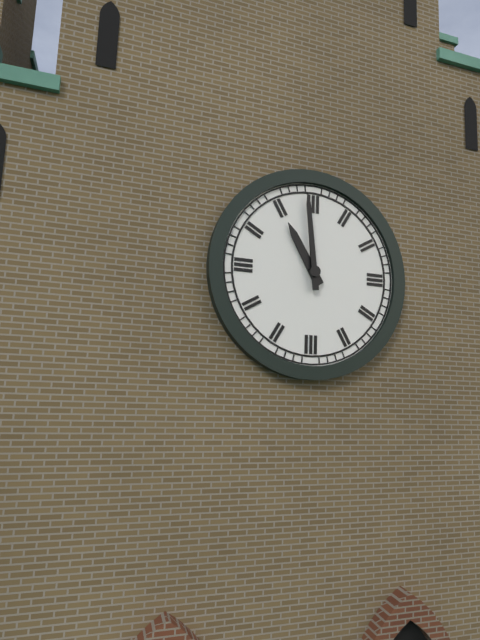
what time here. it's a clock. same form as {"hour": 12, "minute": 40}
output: {"hour": 10, "minute": 59}
